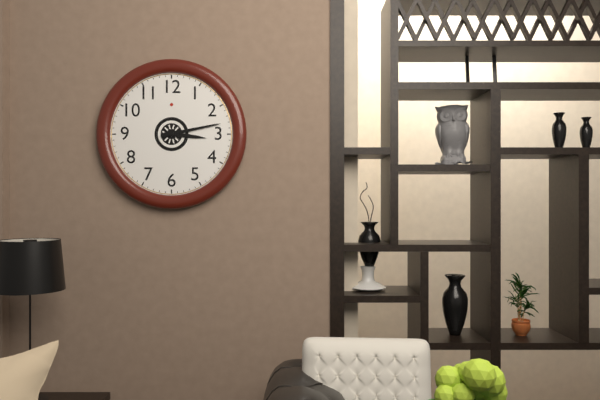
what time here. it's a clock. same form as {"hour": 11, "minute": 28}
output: {"hour": 3, "minute": 13}
